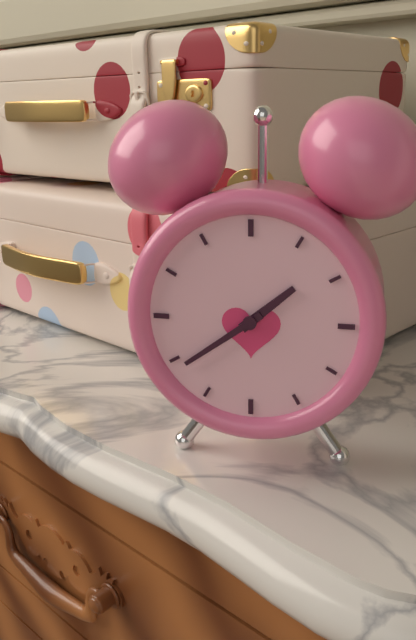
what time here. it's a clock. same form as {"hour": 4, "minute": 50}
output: {"hour": 1, "minute": 39}
